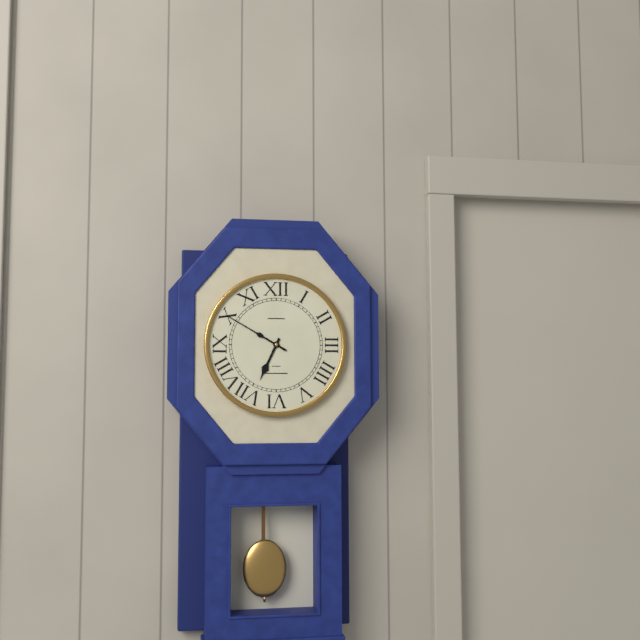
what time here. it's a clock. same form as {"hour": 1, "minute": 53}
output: {"hour": 6, "minute": 50}
